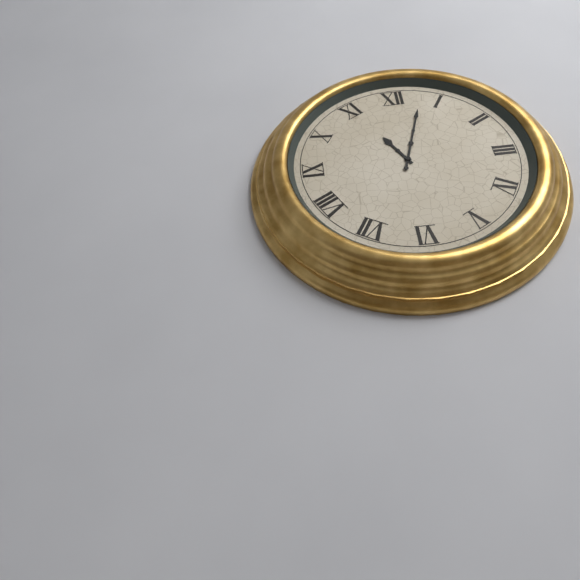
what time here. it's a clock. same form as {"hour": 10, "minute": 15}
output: {"hour": 11, "minute": 3}
